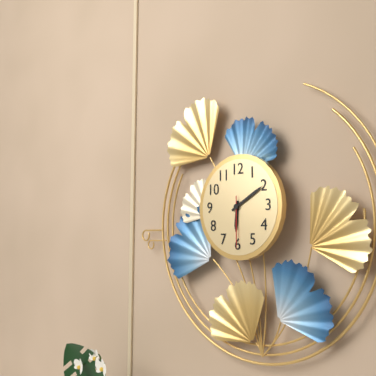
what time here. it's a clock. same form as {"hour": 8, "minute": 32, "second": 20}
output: {"hour": 6, "minute": 10, "second": 30}
